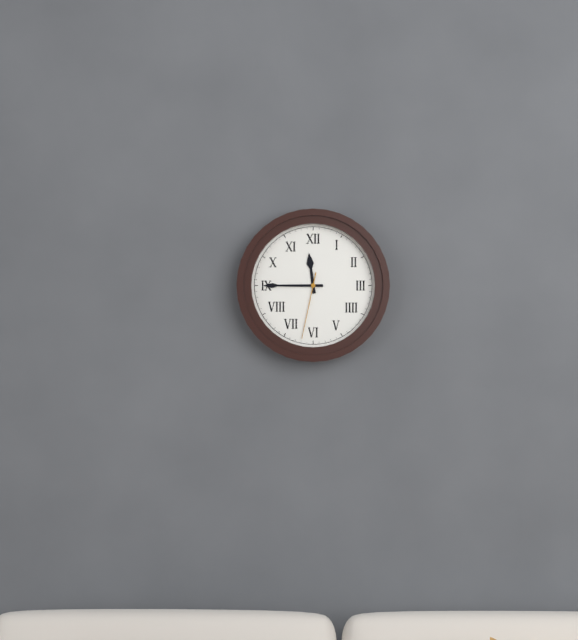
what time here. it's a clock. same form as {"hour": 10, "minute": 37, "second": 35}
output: {"hour": 11, "minute": 45, "second": 32}
